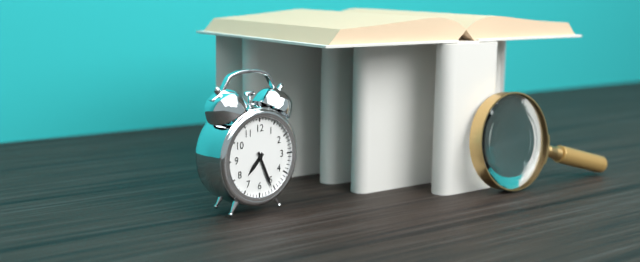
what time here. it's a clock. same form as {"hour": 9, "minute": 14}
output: {"hour": 7, "minute": 26}
